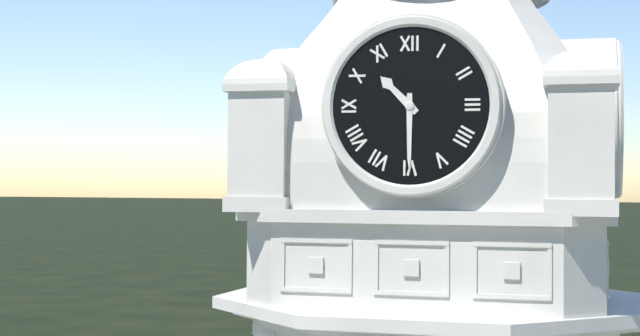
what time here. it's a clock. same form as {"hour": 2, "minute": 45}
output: {"hour": 10, "minute": 30}
